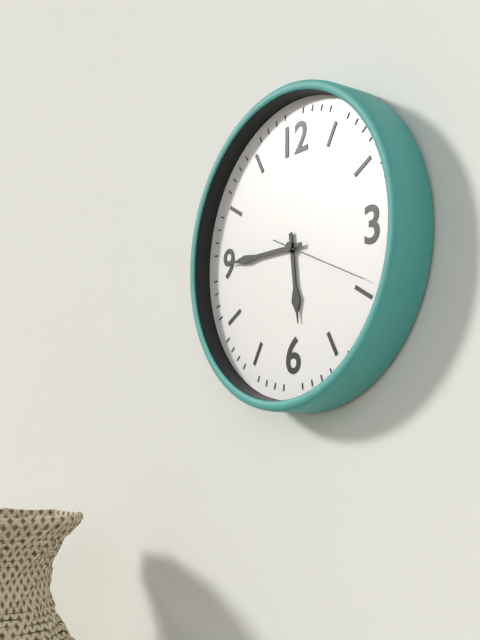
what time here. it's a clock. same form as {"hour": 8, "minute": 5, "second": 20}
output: {"hour": 5, "minute": 45, "second": 19}
